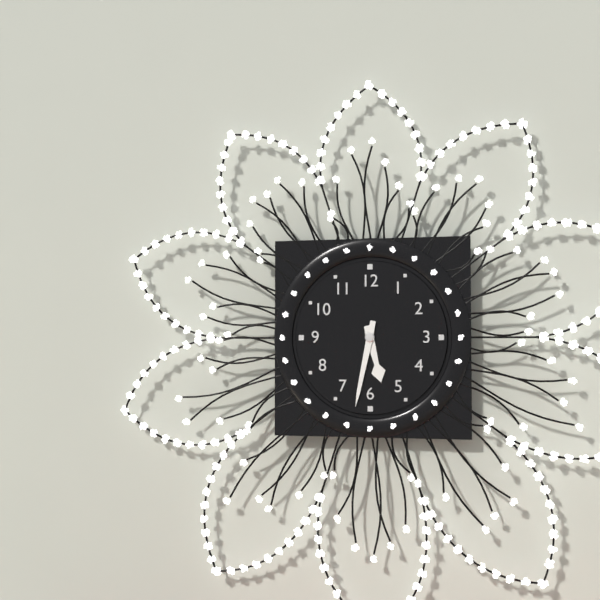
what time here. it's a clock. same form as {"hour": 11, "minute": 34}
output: {"hour": 5, "minute": 32}
